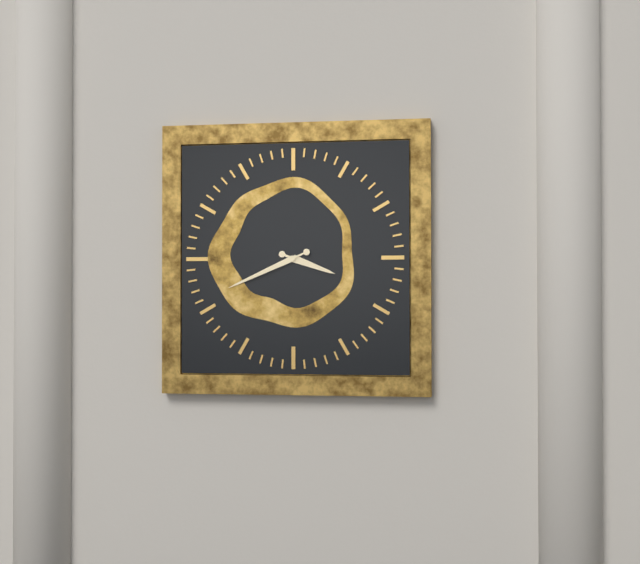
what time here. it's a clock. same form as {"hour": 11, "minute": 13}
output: {"hour": 3, "minute": 41}
